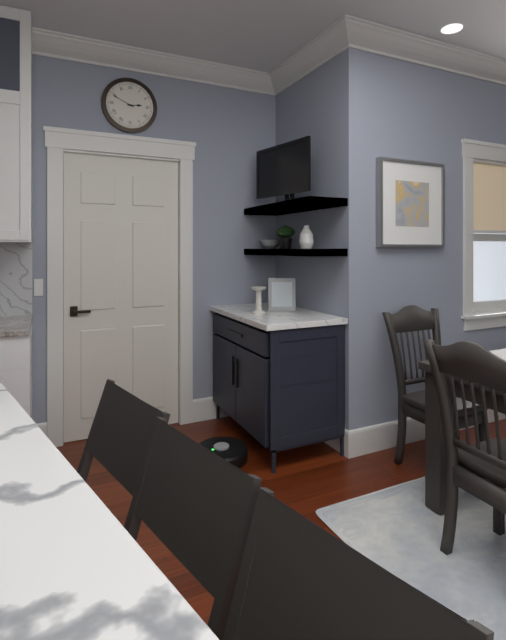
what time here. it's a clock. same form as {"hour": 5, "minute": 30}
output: {"hour": 2, "minute": 49}
